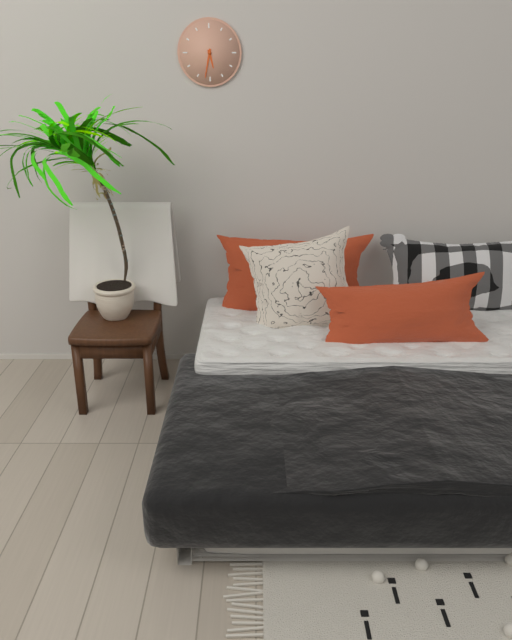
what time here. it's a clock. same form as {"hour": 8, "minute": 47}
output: {"hour": 5, "minute": 32}
